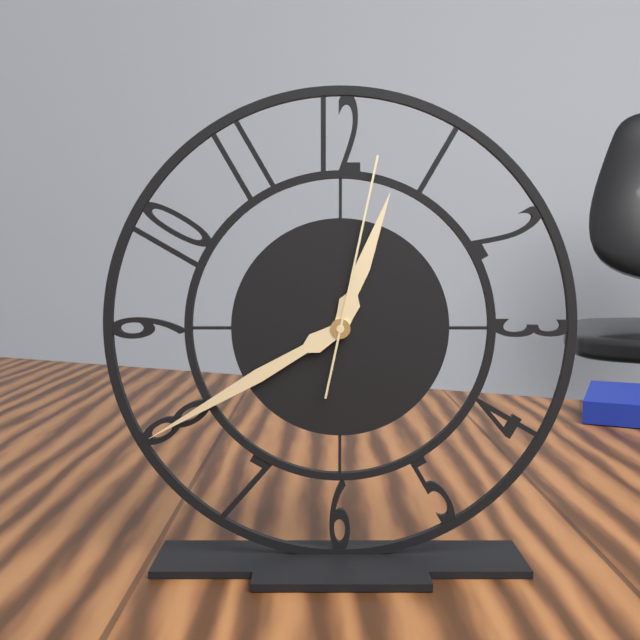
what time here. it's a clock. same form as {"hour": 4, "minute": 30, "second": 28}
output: {"hour": 12, "minute": 40, "second": 2}
